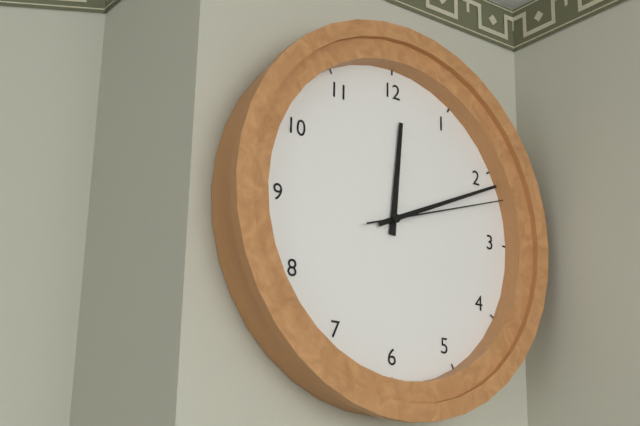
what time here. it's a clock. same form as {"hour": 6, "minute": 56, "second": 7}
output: {"hour": 12, "minute": 11, "second": 12}
